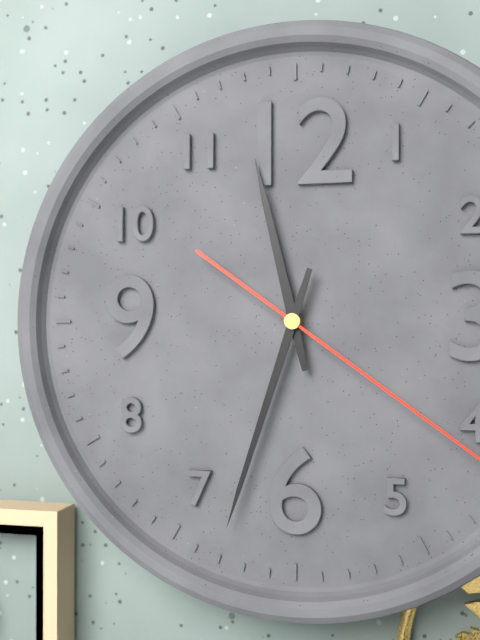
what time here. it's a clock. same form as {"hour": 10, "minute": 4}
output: {"hour": 11, "minute": 33}
